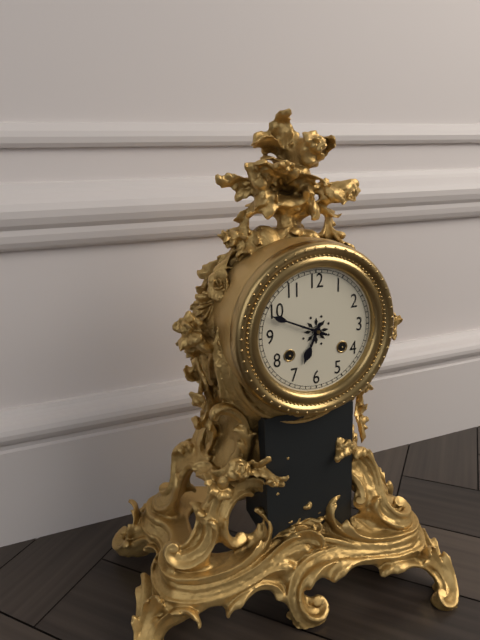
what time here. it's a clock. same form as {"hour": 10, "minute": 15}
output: {"hour": 6, "minute": 49}
